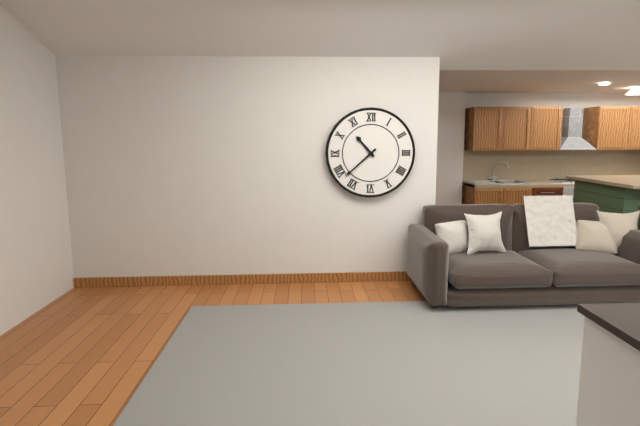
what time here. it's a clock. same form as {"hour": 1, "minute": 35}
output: {"hour": 10, "minute": 38}
